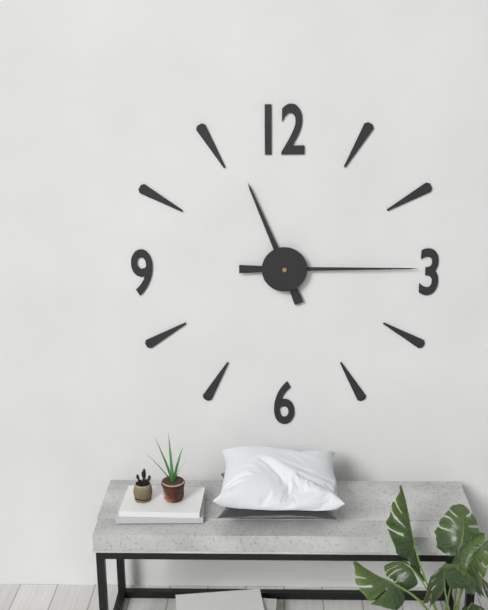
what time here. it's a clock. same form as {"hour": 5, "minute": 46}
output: {"hour": 11, "minute": 15}
